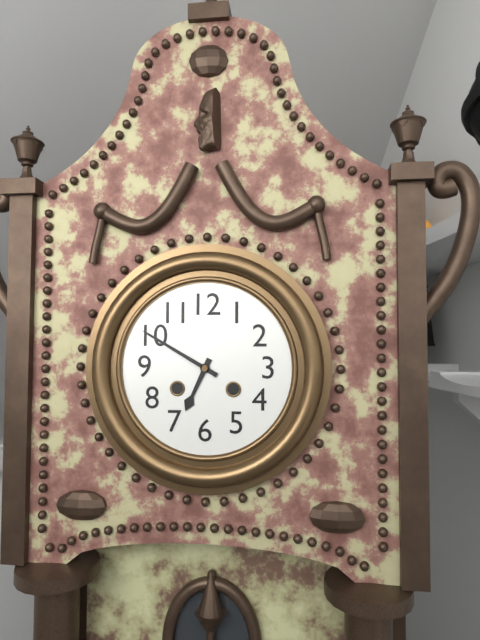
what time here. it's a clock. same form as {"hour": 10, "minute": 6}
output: {"hour": 6, "minute": 50}
